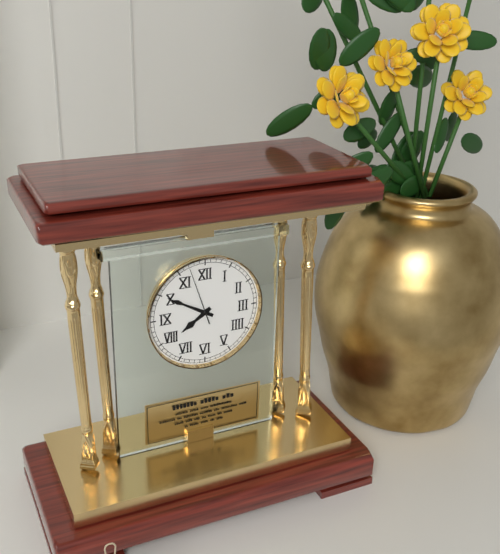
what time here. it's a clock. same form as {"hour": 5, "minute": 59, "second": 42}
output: {"hour": 7, "minute": 50, "second": 57}
